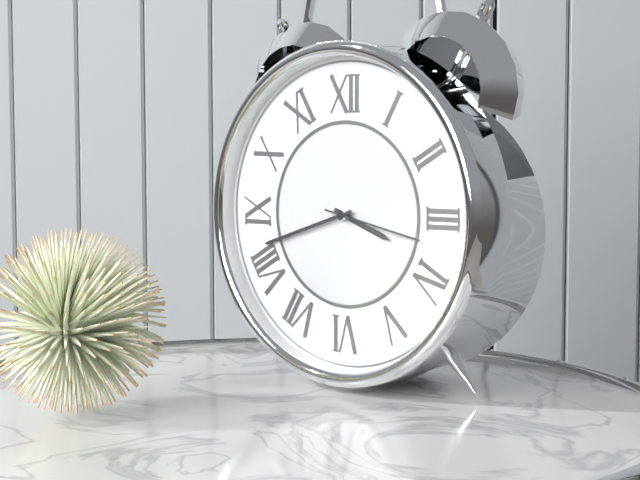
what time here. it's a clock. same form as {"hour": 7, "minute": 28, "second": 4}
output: {"hour": 3, "minute": 42, "second": 17}
